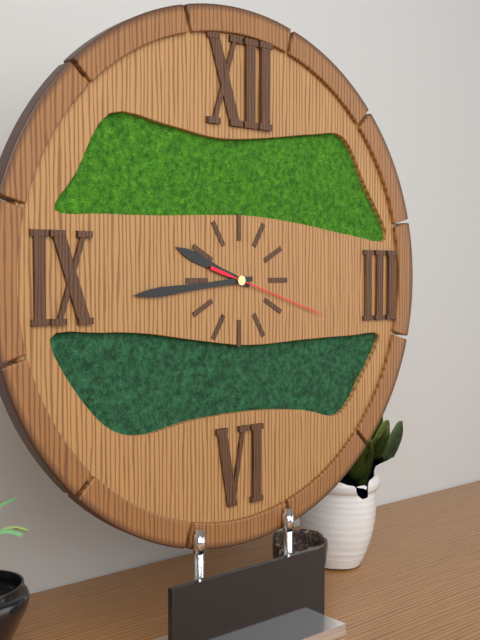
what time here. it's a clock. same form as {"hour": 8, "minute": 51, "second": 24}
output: {"hour": 9, "minute": 44, "second": 18}
